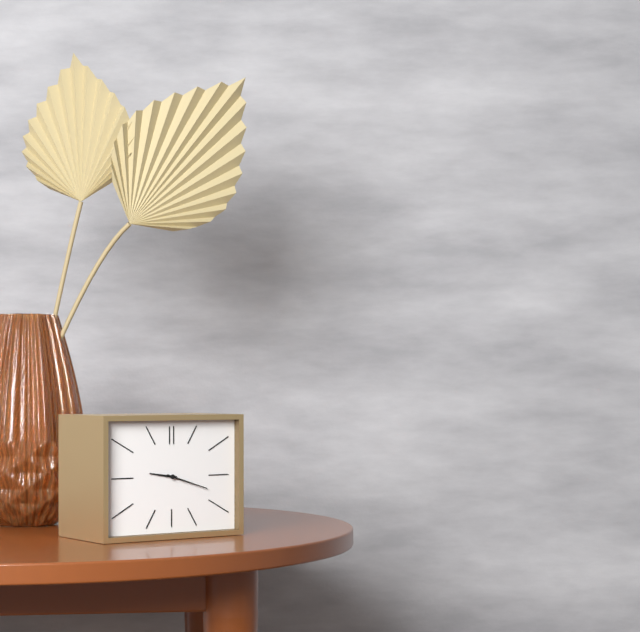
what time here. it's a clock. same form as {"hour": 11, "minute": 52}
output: {"hour": 9, "minute": 18}
